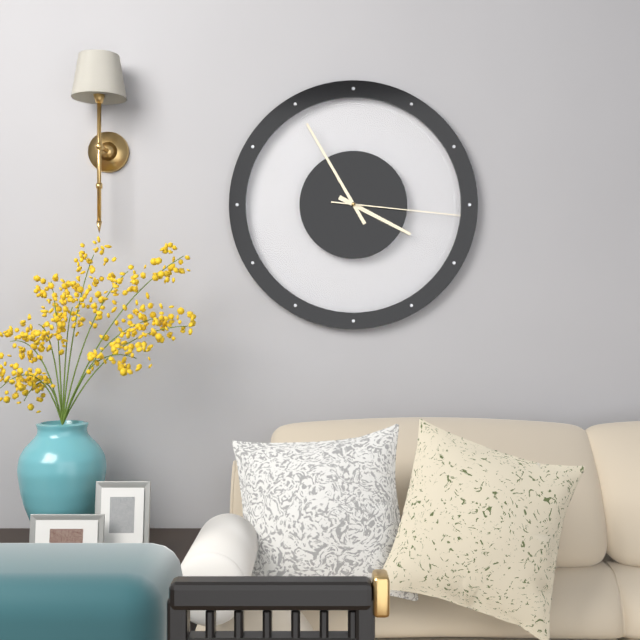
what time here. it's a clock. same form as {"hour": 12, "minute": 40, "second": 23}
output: {"hour": 3, "minute": 55, "second": 16}
